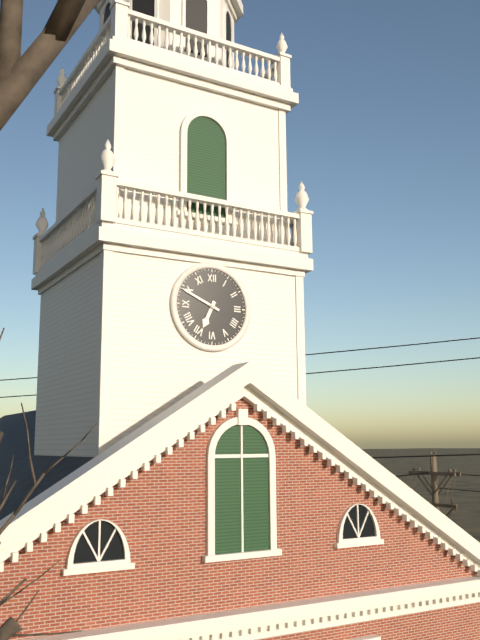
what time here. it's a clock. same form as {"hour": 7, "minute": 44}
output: {"hour": 6, "minute": 49}
